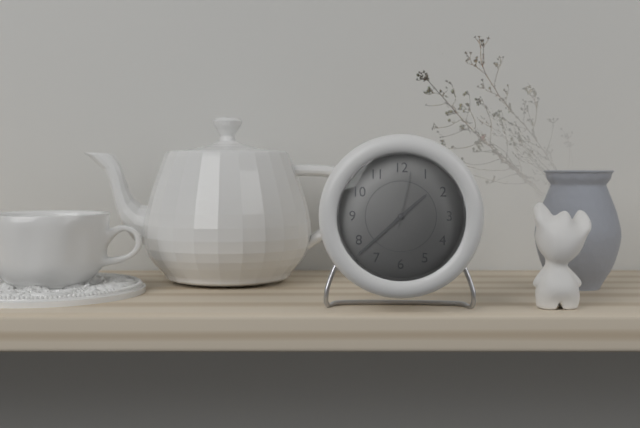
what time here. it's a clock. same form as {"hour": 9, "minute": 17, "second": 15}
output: {"hour": 1, "minute": 38, "second": 2}
